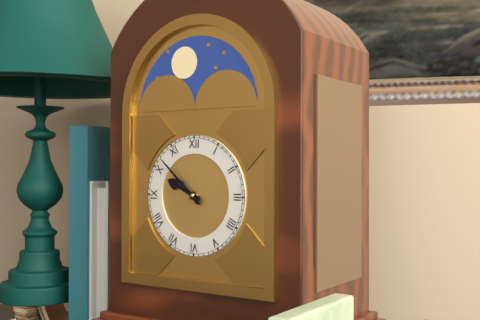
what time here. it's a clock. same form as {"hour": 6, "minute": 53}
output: {"hour": 9, "minute": 52}
